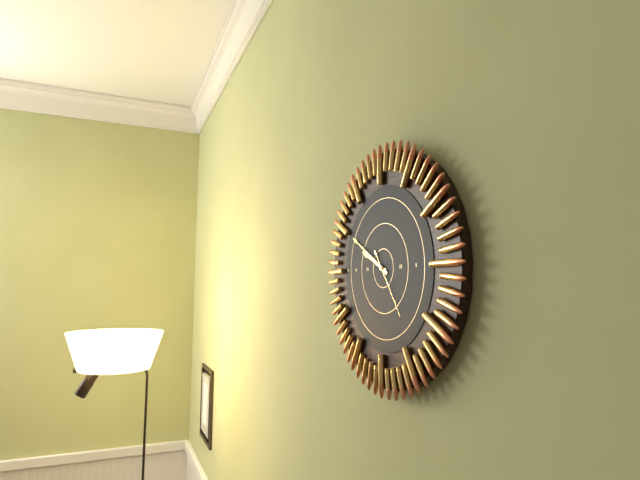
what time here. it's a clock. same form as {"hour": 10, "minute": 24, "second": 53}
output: {"hour": 9, "minute": 50, "second": 24}
